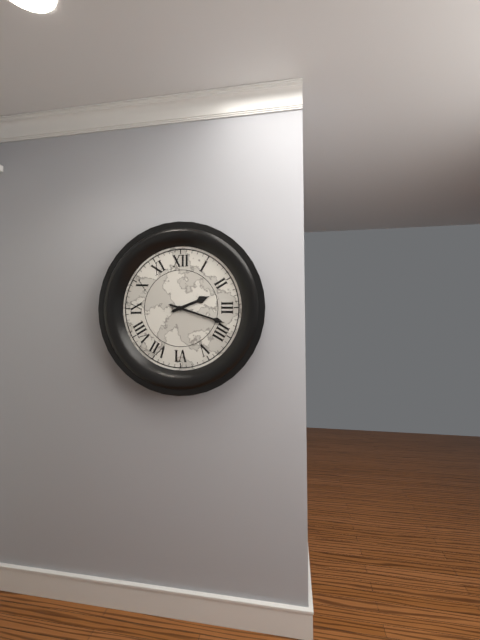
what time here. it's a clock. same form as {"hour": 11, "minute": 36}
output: {"hour": 2, "minute": 18}
